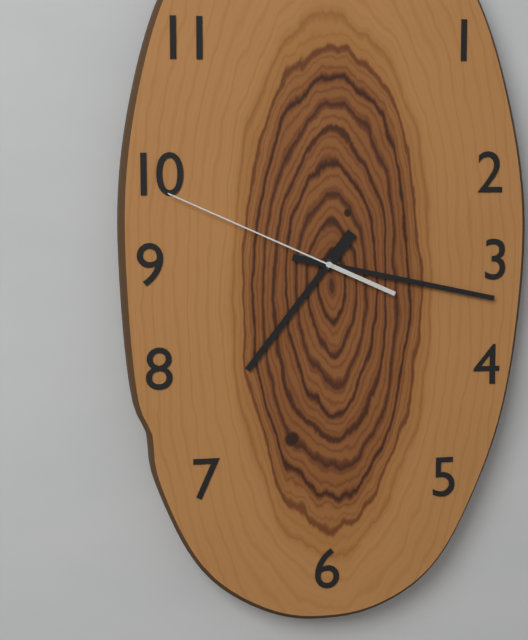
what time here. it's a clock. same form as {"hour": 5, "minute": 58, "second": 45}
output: {"hour": 7, "minute": 17, "second": 49}
